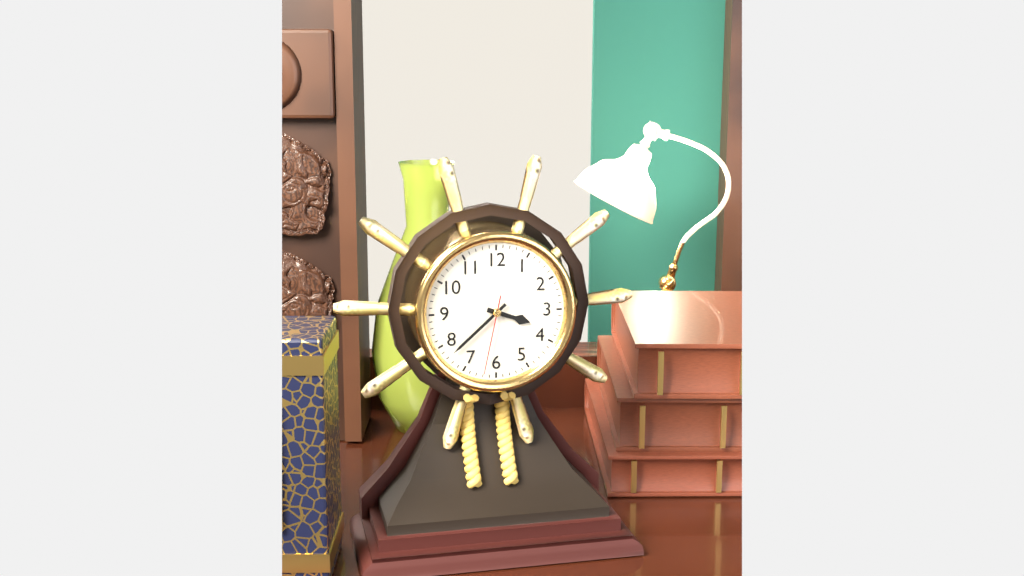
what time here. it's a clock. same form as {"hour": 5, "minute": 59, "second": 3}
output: {"hour": 3, "minute": 38, "second": 32}
